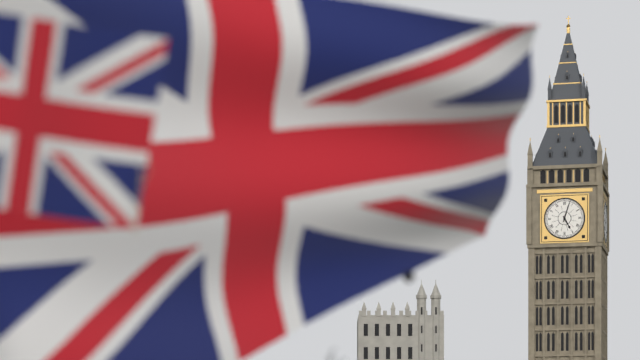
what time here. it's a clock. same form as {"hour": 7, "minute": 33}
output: {"hour": 5, "minute": 3}
